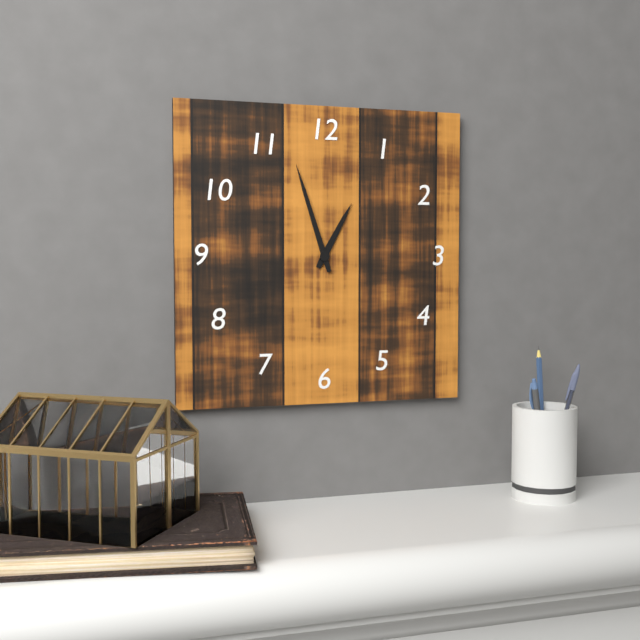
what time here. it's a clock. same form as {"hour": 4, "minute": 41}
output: {"hour": 12, "minute": 57}
